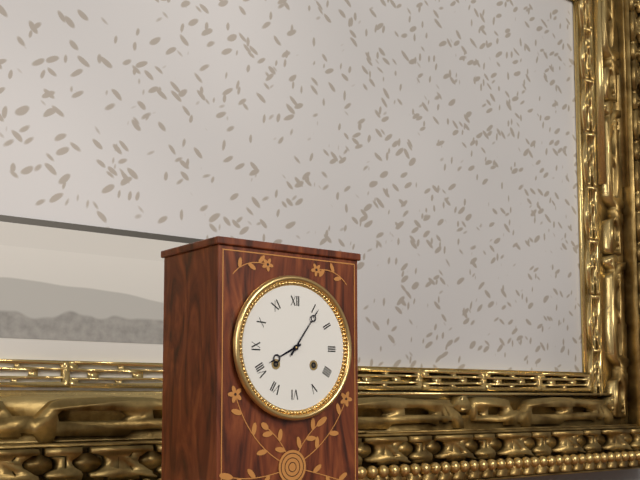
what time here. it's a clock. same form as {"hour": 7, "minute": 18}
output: {"hour": 8, "minute": 6}
